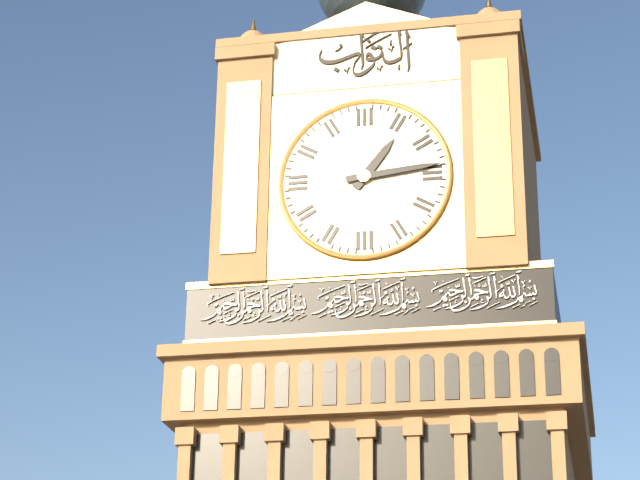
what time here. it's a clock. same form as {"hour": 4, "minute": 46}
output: {"hour": 1, "minute": 14}
